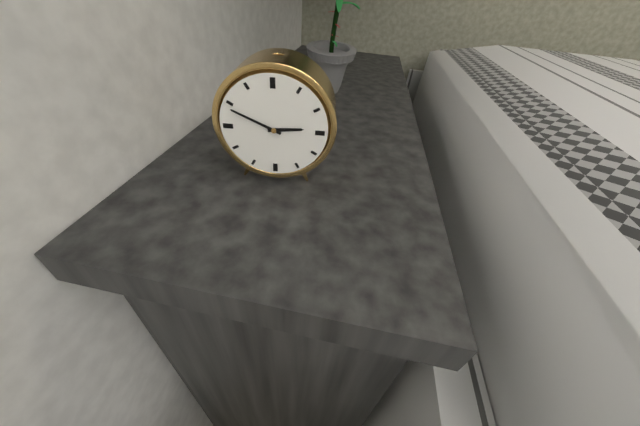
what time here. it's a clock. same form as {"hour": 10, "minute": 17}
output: {"hour": 2, "minute": 49}
